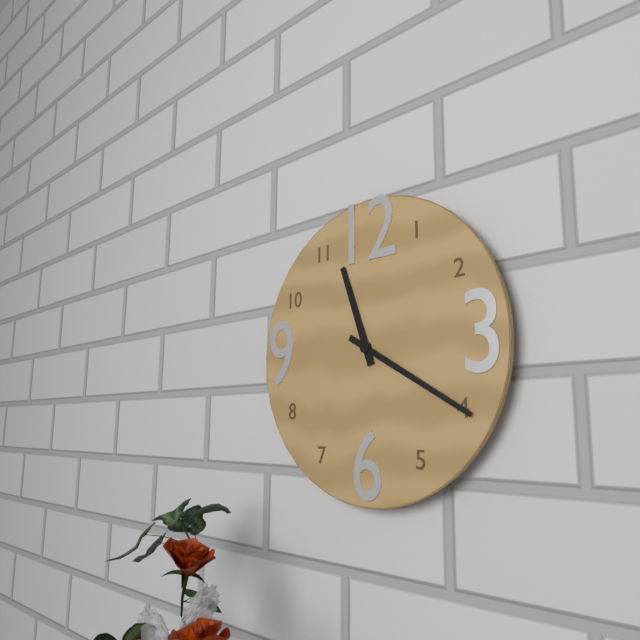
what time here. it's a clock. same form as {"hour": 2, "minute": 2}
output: {"hour": 11, "minute": 20}
